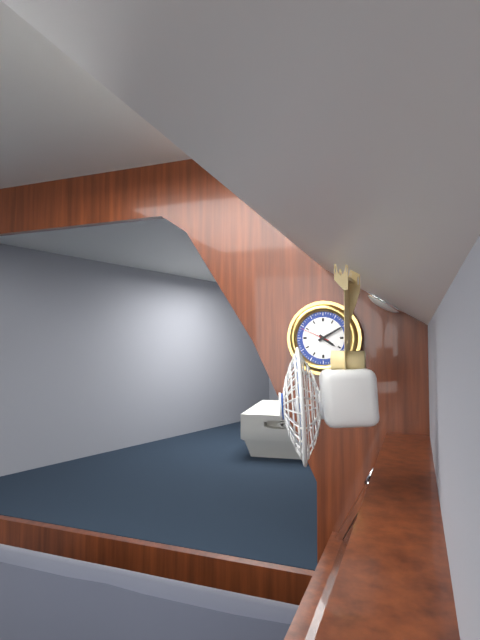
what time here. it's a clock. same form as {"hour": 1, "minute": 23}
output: {"hour": 4, "minute": 10}
